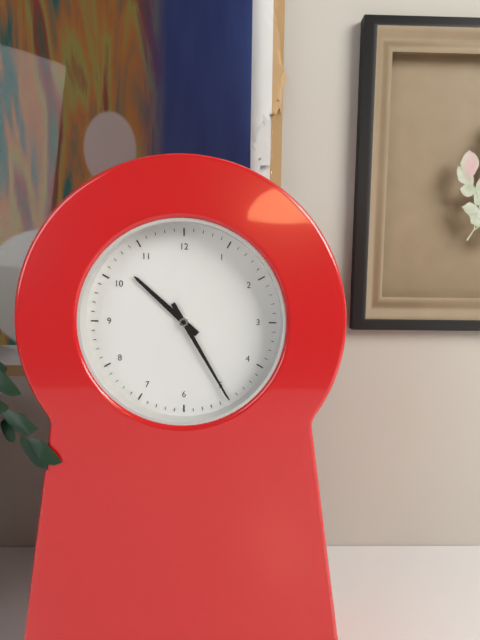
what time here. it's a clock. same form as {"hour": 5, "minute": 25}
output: {"hour": 10, "minute": 25}
